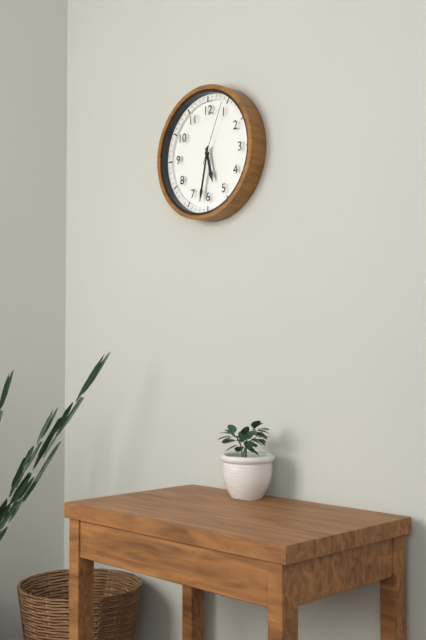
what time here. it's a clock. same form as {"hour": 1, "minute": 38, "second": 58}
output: {"hour": 5, "minute": 32, "second": 4}
